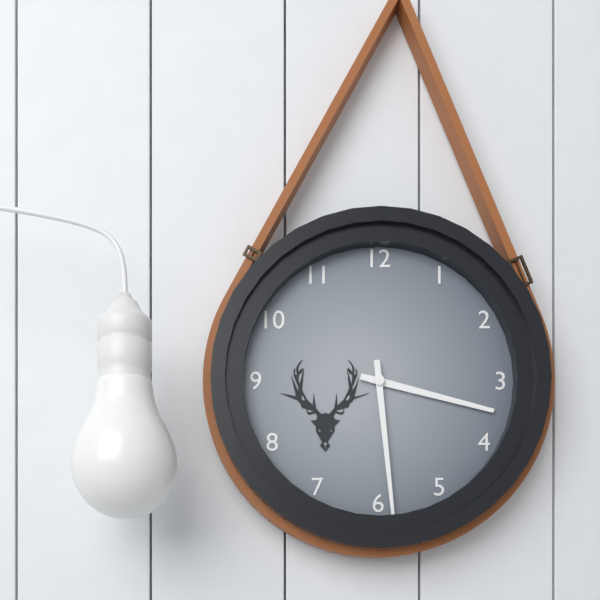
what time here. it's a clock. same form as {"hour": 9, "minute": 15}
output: {"hour": 3, "minute": 29}
